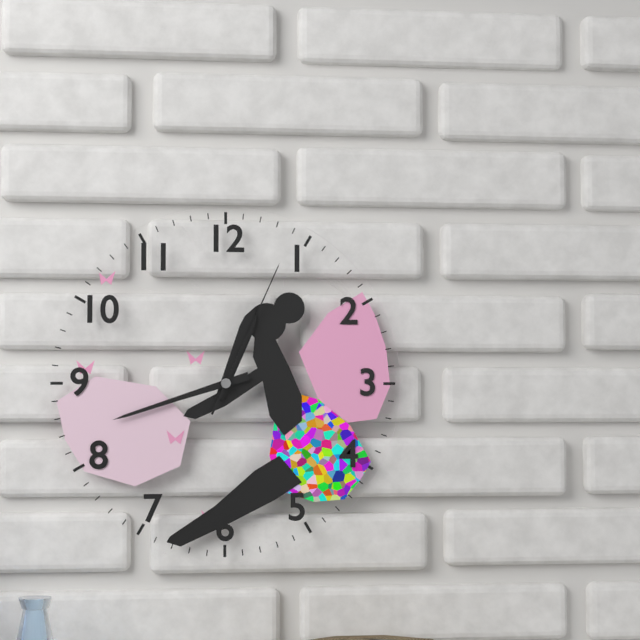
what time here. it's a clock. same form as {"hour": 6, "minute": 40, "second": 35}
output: {"hour": 12, "minute": 42, "second": 4}
